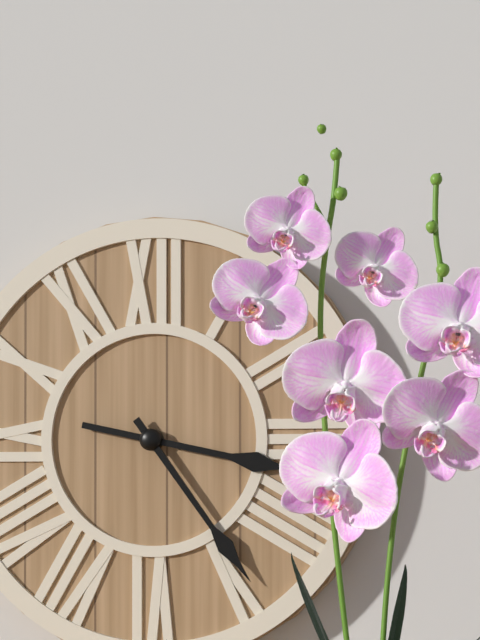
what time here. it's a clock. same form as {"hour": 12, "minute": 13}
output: {"hour": 3, "minute": 24}
